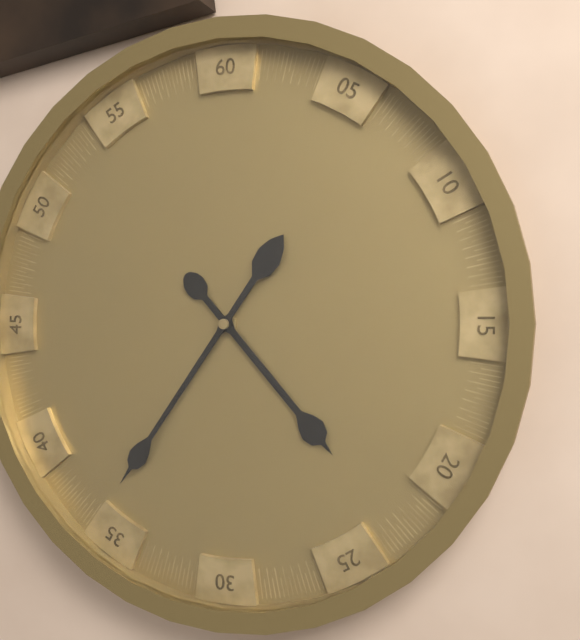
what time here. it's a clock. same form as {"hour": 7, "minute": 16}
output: {"hour": 4, "minute": 36}
